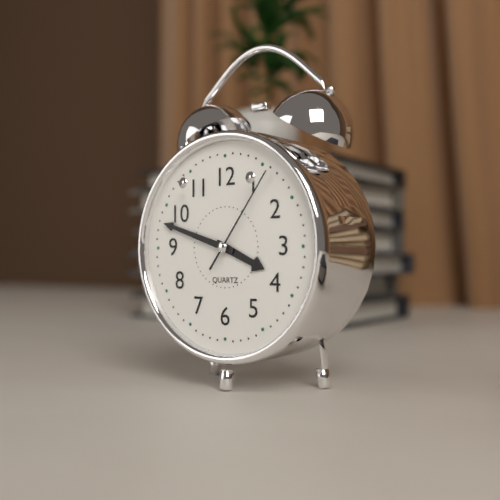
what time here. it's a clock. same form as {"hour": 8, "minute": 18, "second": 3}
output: {"hour": 3, "minute": 48, "second": 6}
